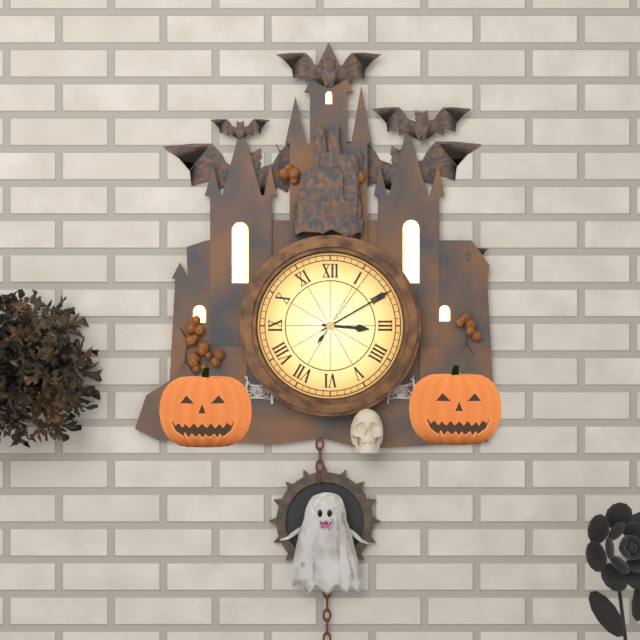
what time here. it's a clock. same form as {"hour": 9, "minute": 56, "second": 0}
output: {"hour": 3, "minute": 10, "second": 6}
